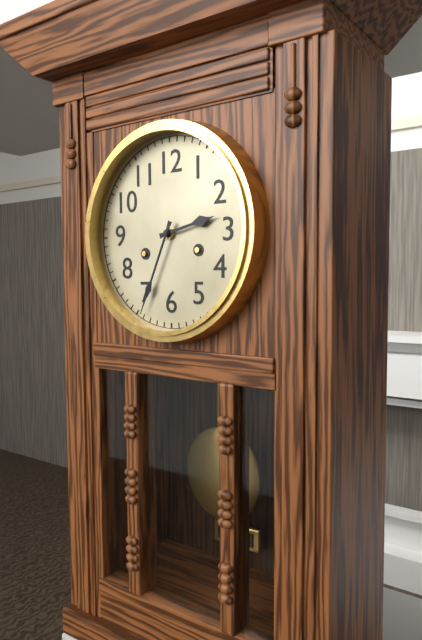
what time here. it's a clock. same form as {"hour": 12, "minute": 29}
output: {"hour": 2, "minute": 34}
